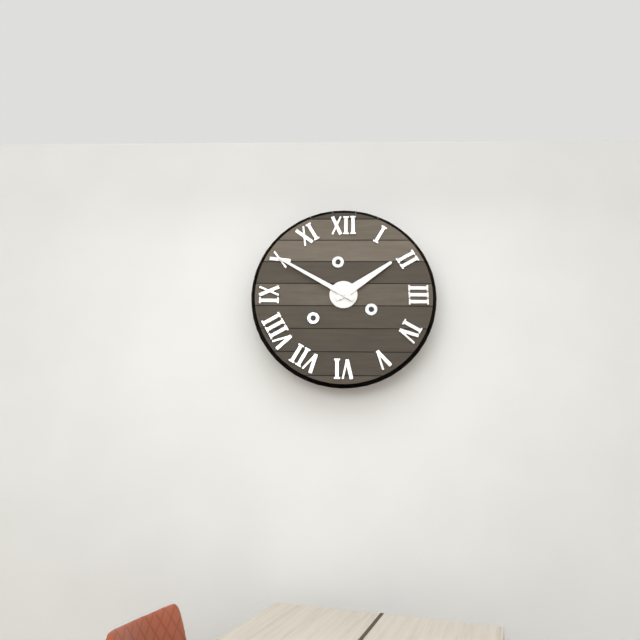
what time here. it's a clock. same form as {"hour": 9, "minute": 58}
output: {"hour": 1, "minute": 50}
